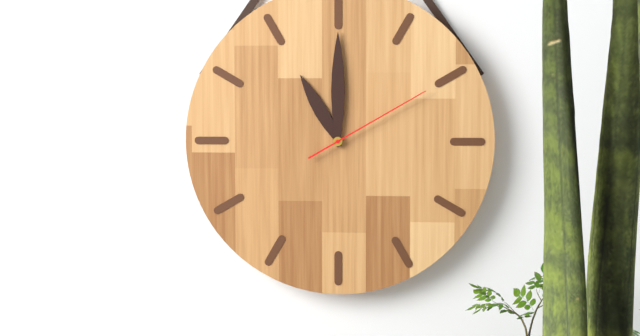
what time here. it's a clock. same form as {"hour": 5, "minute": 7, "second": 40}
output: {"hour": 11, "minute": 0, "second": 10}
